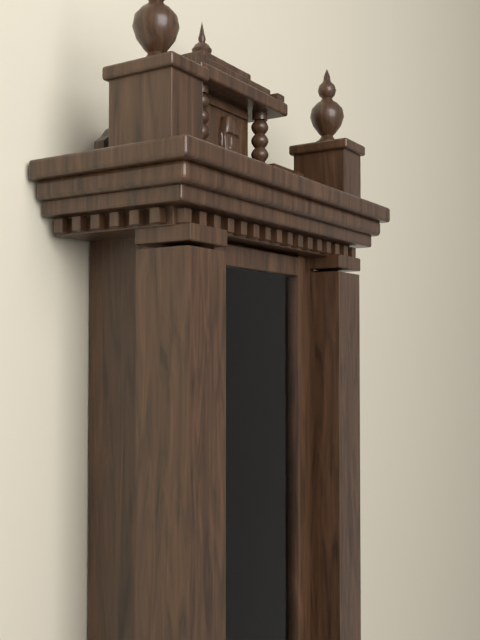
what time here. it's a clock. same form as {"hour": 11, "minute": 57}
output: {"hour": 1, "minute": 58}
